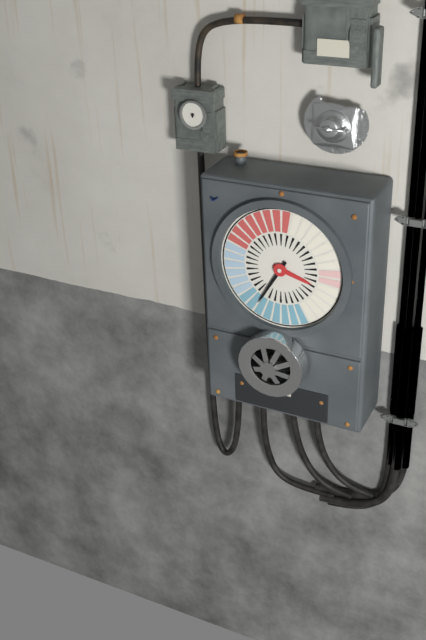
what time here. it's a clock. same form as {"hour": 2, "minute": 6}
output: {"hour": 3, "minute": 35}
